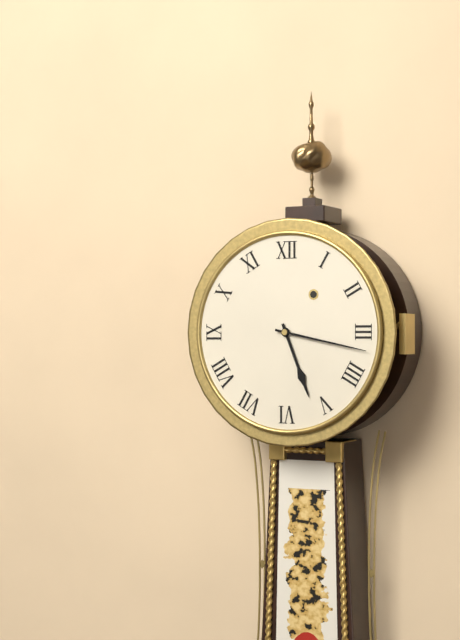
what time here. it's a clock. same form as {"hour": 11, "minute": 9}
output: {"hour": 5, "minute": 17}
